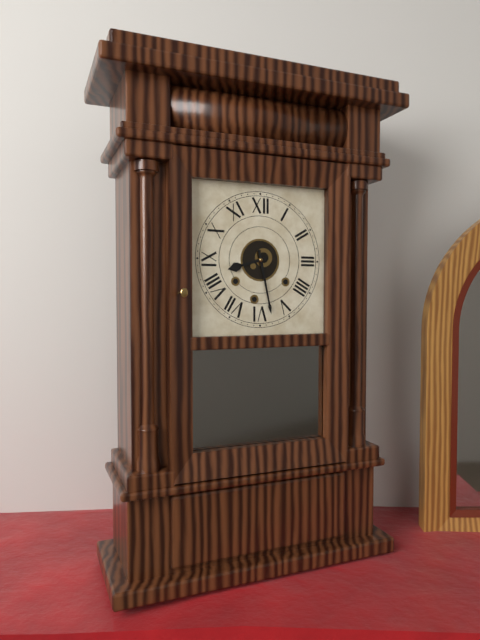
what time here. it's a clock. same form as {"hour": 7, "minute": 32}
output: {"hour": 8, "minute": 28}
